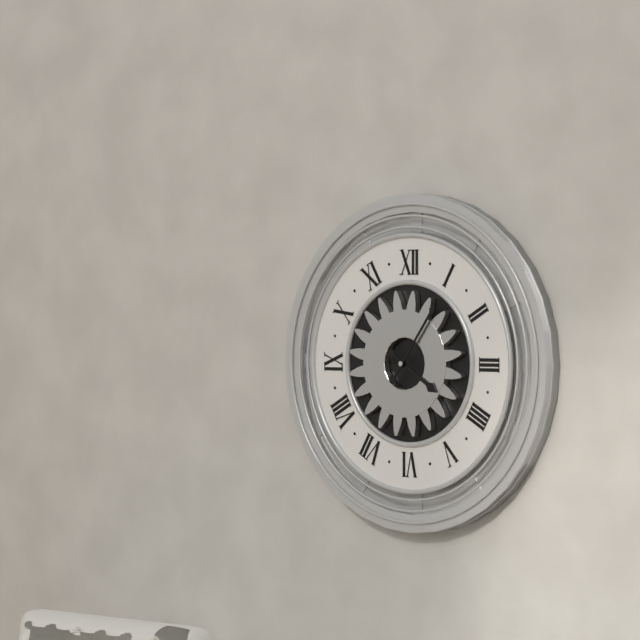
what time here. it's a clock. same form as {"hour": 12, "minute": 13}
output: {"hour": 4, "minute": 6}
